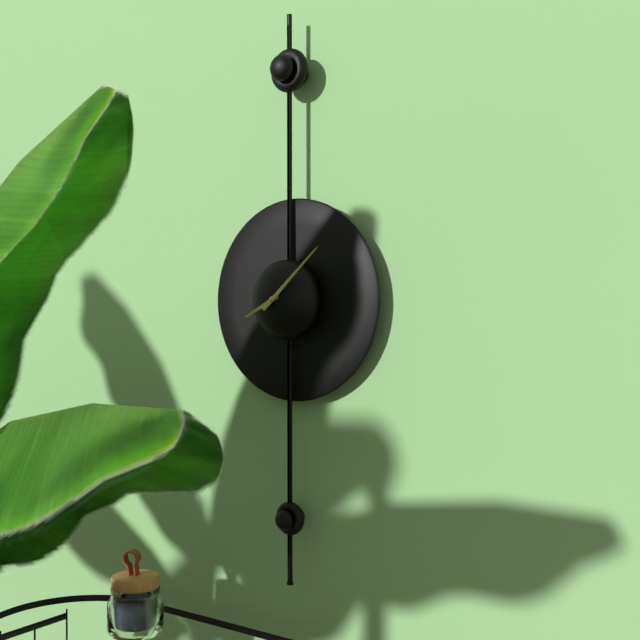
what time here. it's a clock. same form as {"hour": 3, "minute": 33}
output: {"hour": 8, "minute": 8}
